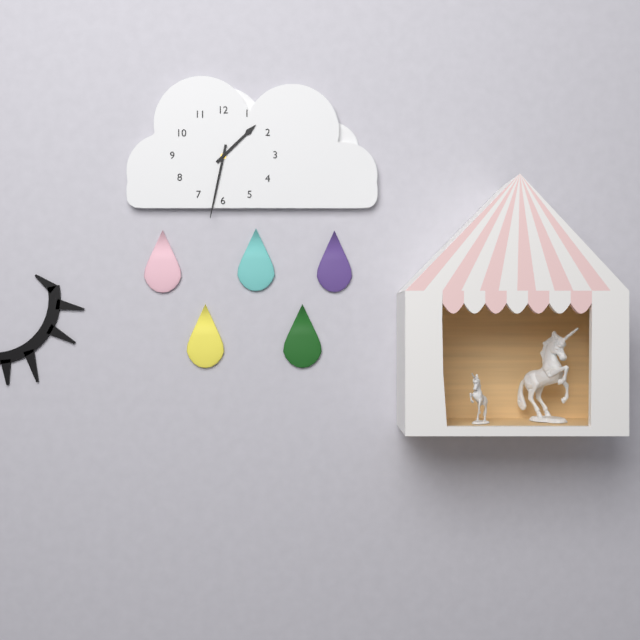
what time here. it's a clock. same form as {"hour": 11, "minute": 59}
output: {"hour": 1, "minute": 32}
